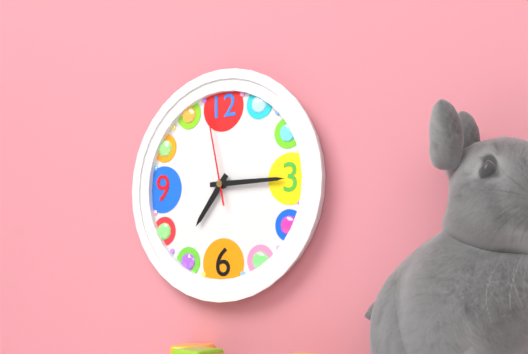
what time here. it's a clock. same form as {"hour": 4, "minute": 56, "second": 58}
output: {"hour": 7, "minute": 15, "second": 58}
